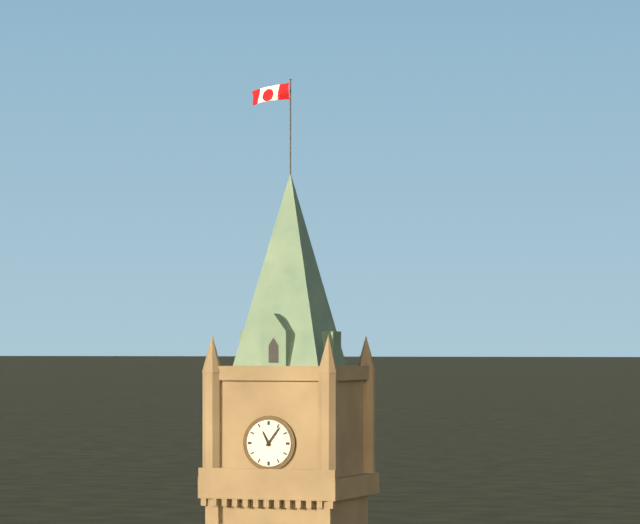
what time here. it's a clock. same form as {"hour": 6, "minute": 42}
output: {"hour": 11, "minute": 6}
